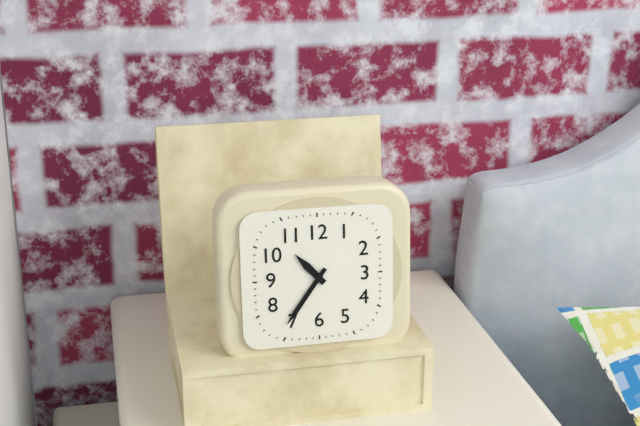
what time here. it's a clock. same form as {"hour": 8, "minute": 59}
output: {"hour": 10, "minute": 36}
